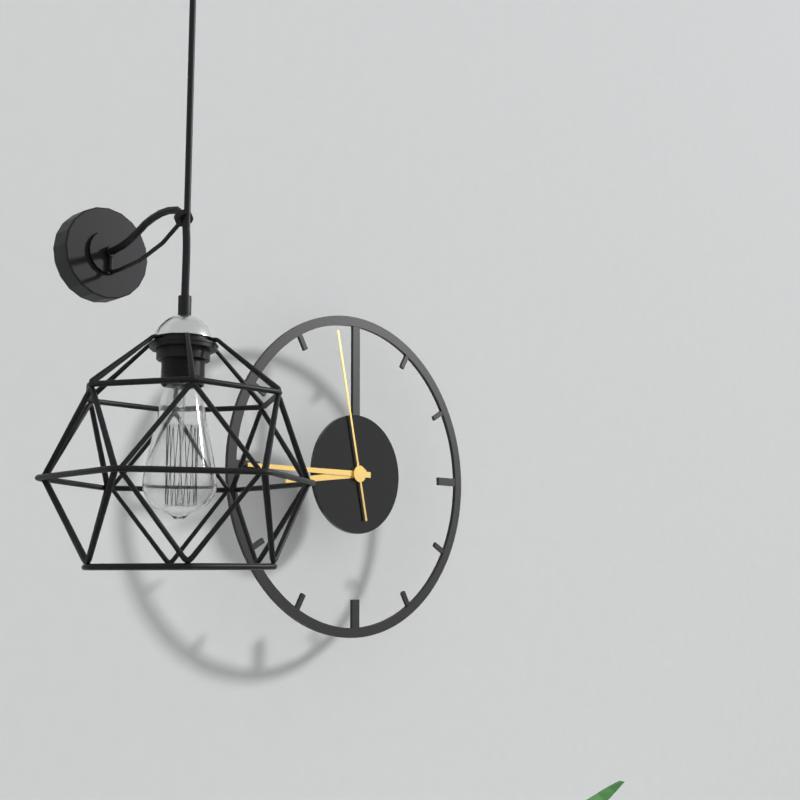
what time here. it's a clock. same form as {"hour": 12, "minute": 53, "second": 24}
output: {"hour": 8, "minute": 45, "second": 58}
